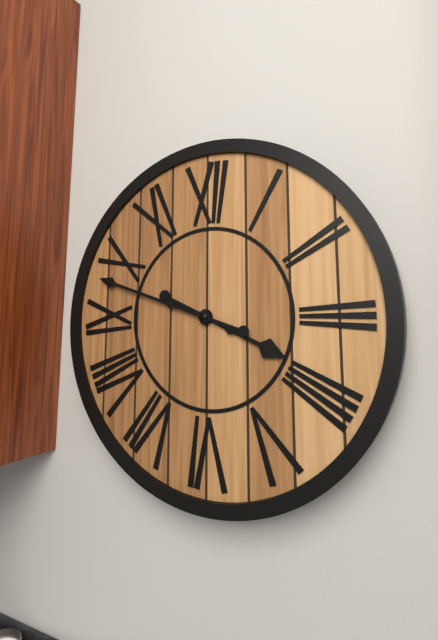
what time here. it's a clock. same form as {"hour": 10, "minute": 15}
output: {"hour": 3, "minute": 48}
